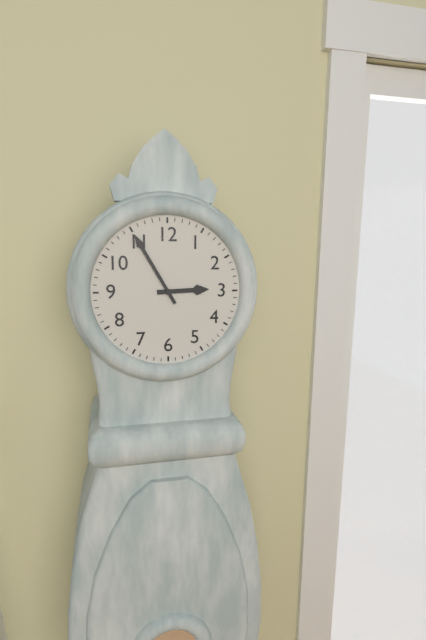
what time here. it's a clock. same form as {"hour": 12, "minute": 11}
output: {"hour": 2, "minute": 55}
